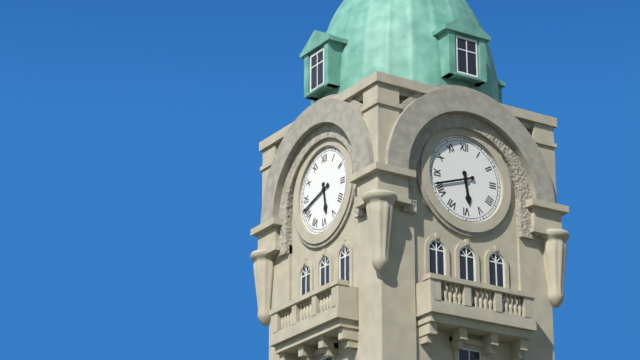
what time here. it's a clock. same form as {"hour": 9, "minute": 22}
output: {"hour": 5, "minute": 42}
